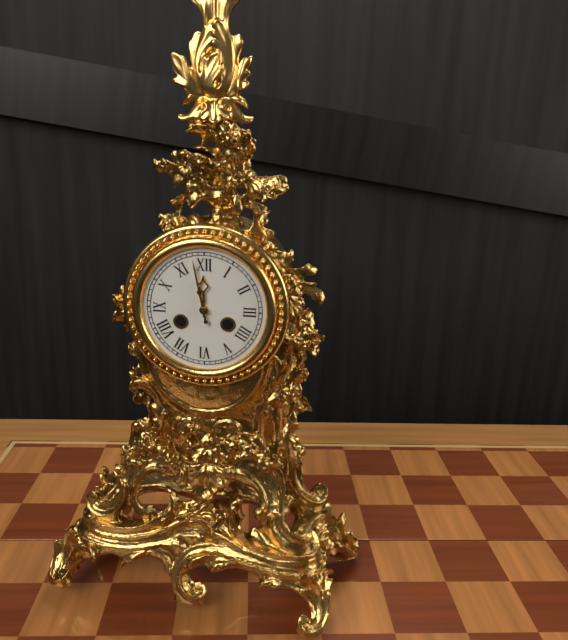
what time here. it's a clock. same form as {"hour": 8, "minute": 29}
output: {"hour": 11, "minute": 58}
